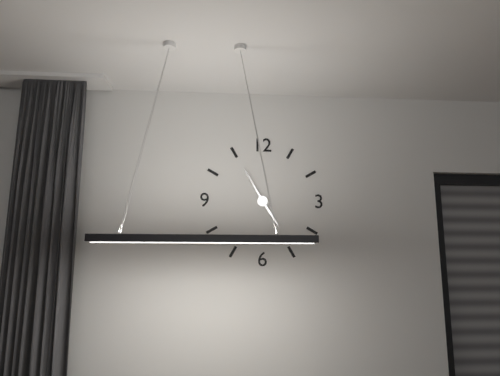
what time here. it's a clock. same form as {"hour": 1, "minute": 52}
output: {"hour": 4, "minute": 55}
